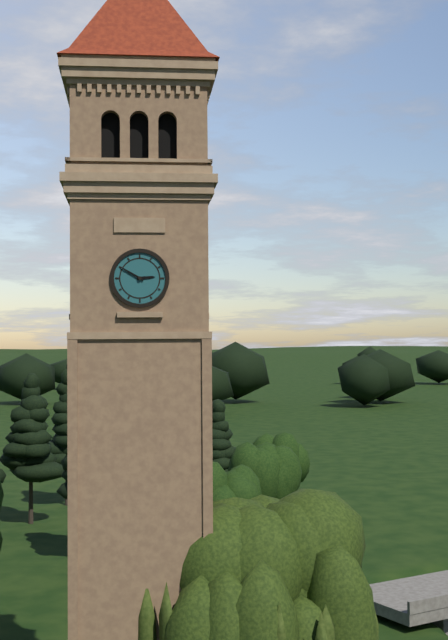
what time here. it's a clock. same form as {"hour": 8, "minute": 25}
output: {"hour": 2, "minute": 50}
